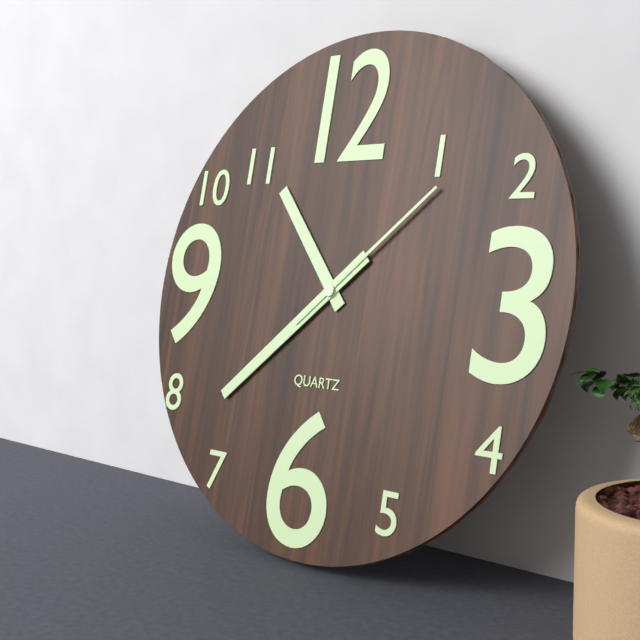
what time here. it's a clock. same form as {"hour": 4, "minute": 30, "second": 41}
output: {"hour": 10, "minute": 38, "second": 8}
